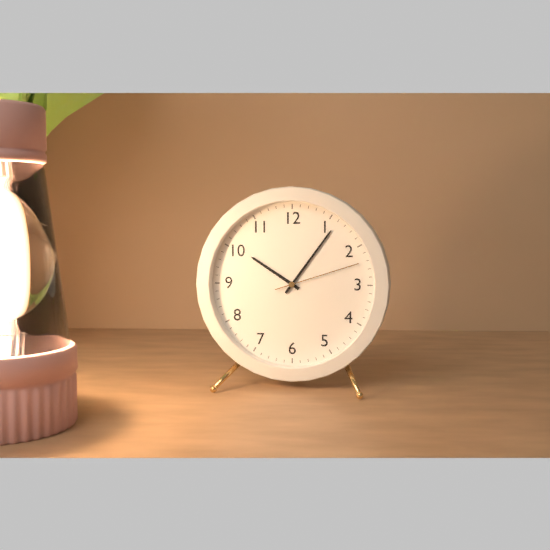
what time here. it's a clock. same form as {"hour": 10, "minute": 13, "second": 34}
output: {"hour": 10, "minute": 6, "second": 12}
